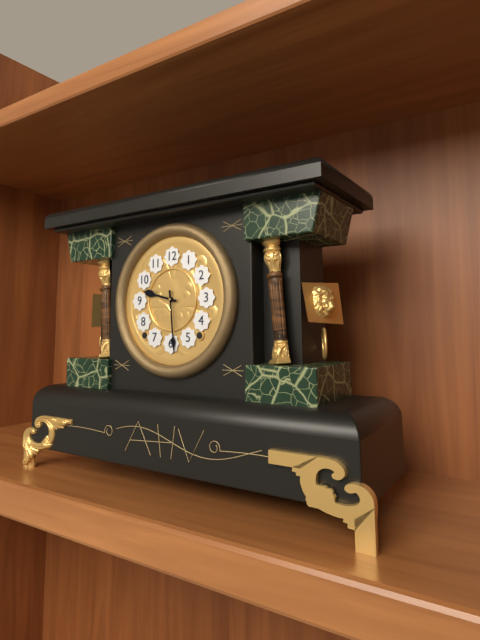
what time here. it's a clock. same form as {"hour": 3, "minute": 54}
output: {"hour": 9, "minute": 29}
